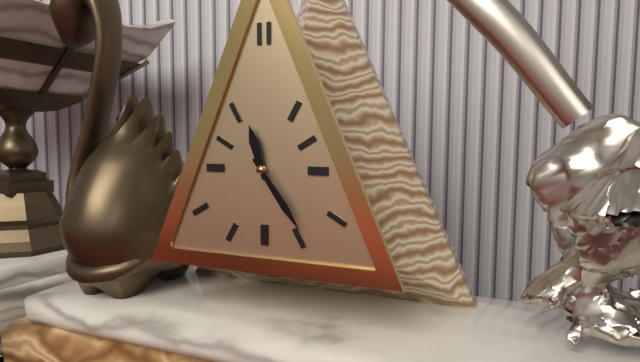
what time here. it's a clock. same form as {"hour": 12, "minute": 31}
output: {"hour": 11, "minute": 24}
